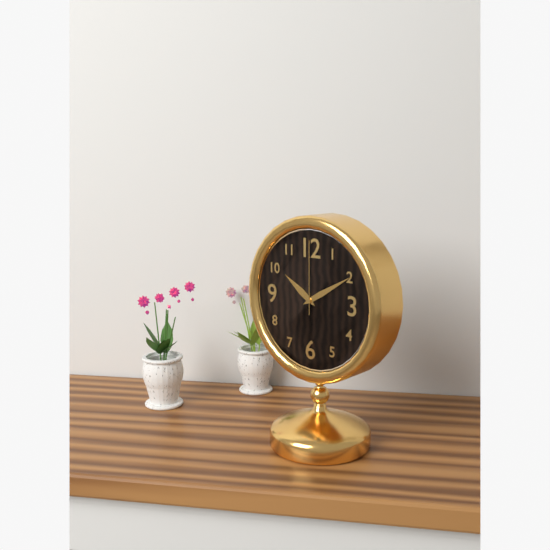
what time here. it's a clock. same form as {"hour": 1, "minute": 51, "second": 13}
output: {"hour": 10, "minute": 10, "second": 0}
